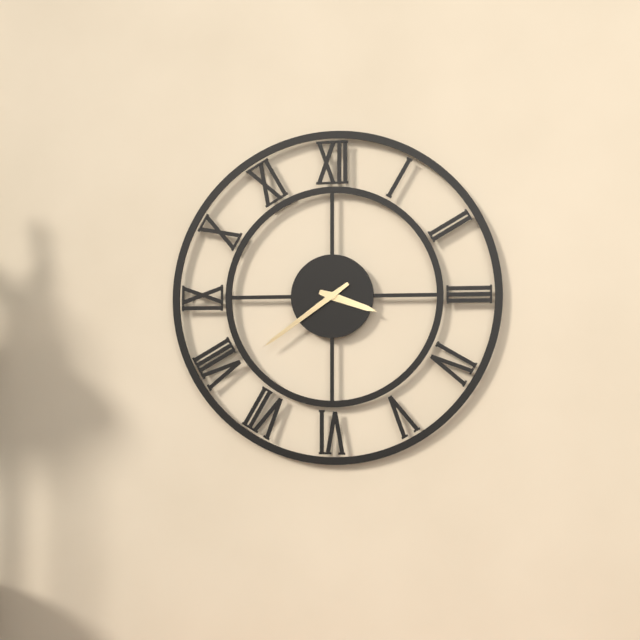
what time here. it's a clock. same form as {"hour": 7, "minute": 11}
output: {"hour": 3, "minute": 39}
